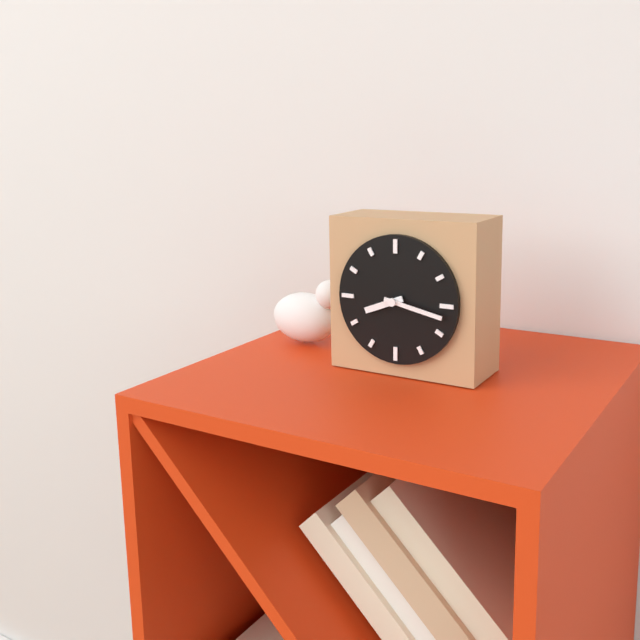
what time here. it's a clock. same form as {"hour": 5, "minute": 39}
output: {"hour": 8, "minute": 17}
